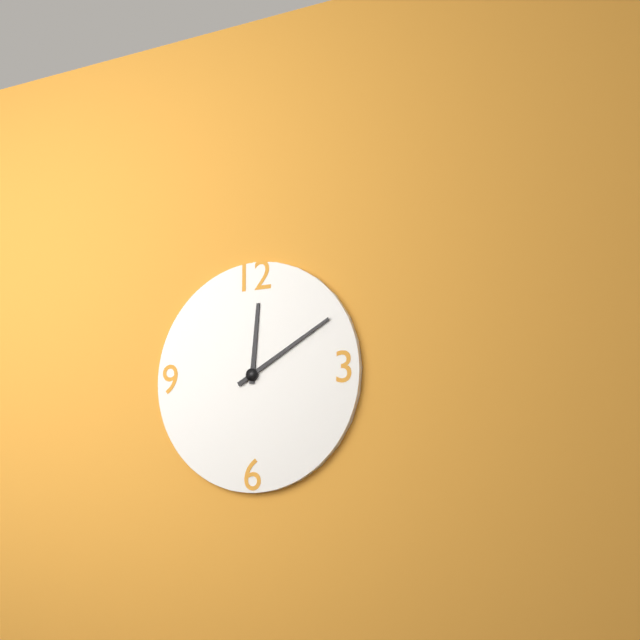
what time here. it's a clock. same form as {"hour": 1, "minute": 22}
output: {"hour": 12, "minute": 10}
